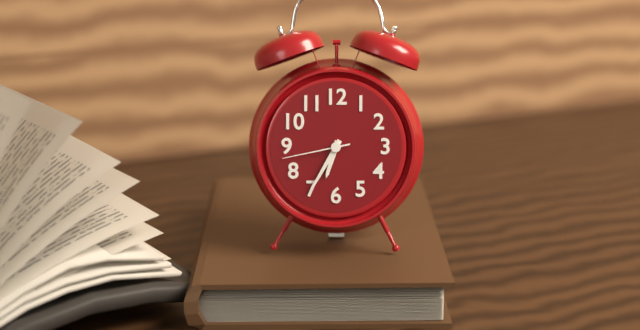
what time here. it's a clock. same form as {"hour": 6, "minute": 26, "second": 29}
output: {"hour": 6, "minute": 35, "second": 43}
